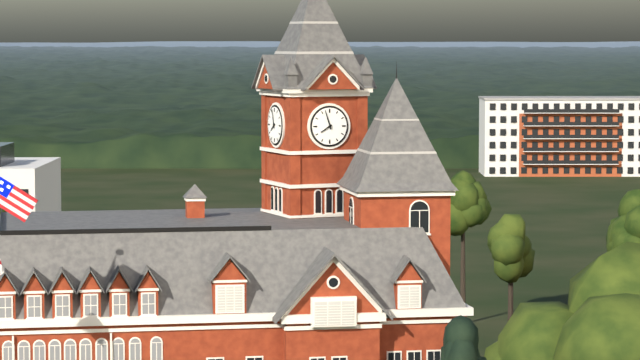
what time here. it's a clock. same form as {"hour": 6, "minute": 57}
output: {"hour": 7, "minute": 57}
